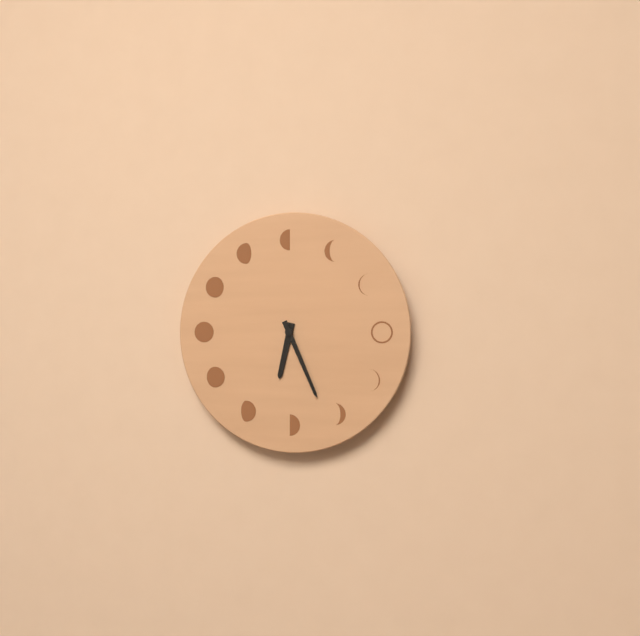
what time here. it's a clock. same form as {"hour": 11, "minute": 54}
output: {"hour": 6, "minute": 26}
